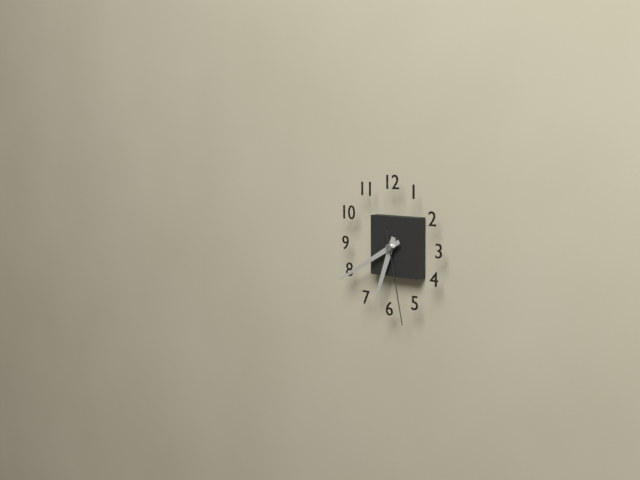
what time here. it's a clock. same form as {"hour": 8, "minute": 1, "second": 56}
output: {"hour": 6, "minute": 40, "second": 28}
